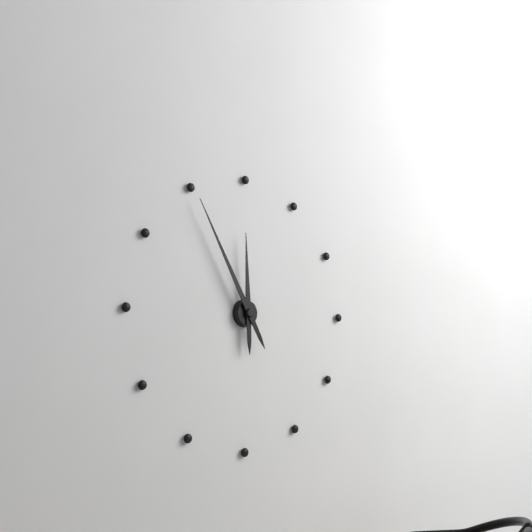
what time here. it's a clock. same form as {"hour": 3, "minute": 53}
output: {"hour": 11, "minute": 55}
